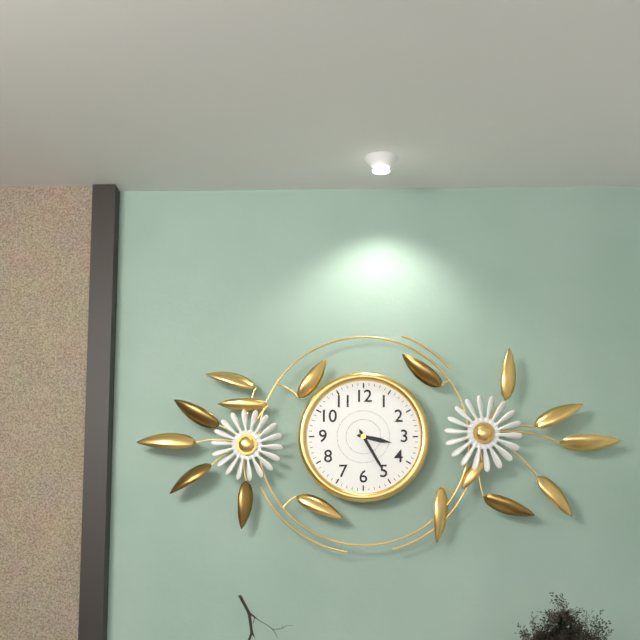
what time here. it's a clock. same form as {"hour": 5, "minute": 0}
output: {"hour": 3, "minute": 25}
